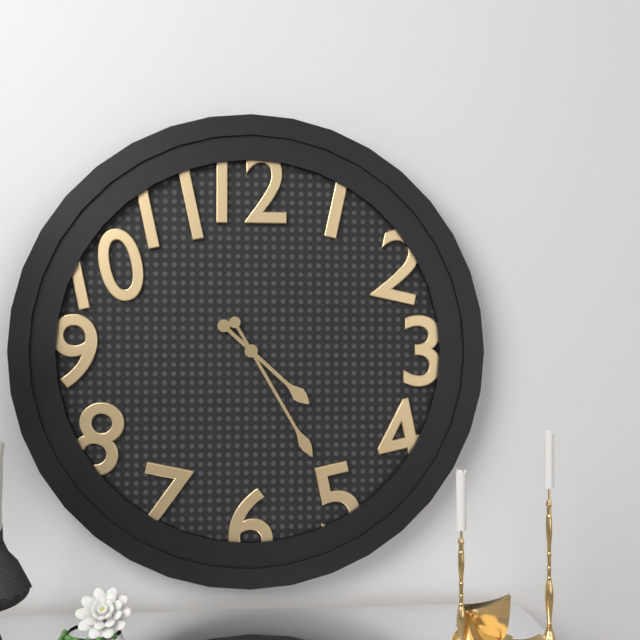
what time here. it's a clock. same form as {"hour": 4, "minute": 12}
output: {"hour": 4, "minute": 25}
